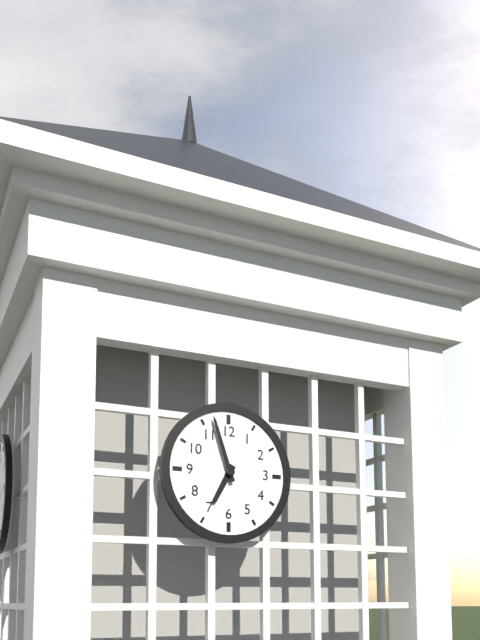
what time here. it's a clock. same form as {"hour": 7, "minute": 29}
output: {"hour": 6, "minute": 57}
